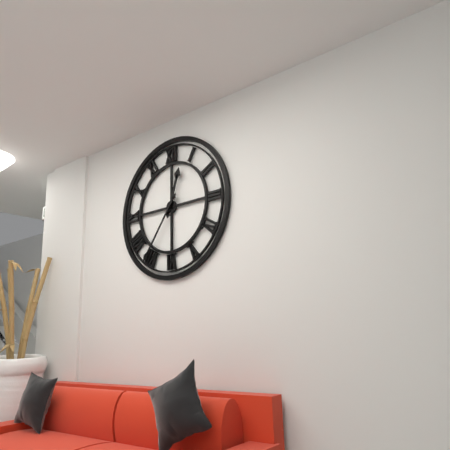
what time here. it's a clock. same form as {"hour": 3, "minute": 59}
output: {"hour": 12, "minute": 36}
